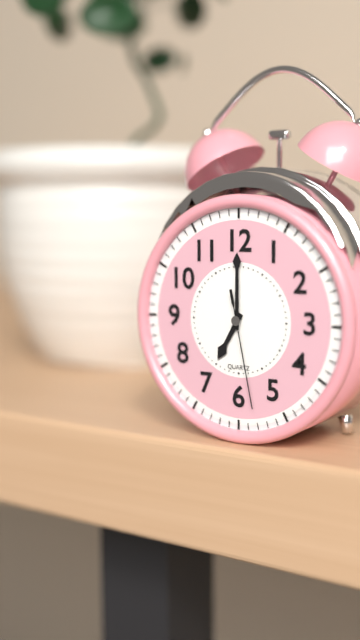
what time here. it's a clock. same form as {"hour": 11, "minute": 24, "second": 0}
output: {"hour": 7, "minute": 0, "second": 28}
